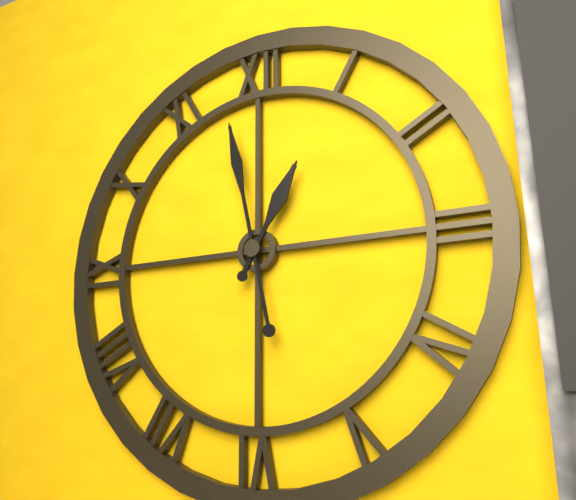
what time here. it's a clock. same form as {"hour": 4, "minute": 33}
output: {"hour": 12, "minute": 58}
